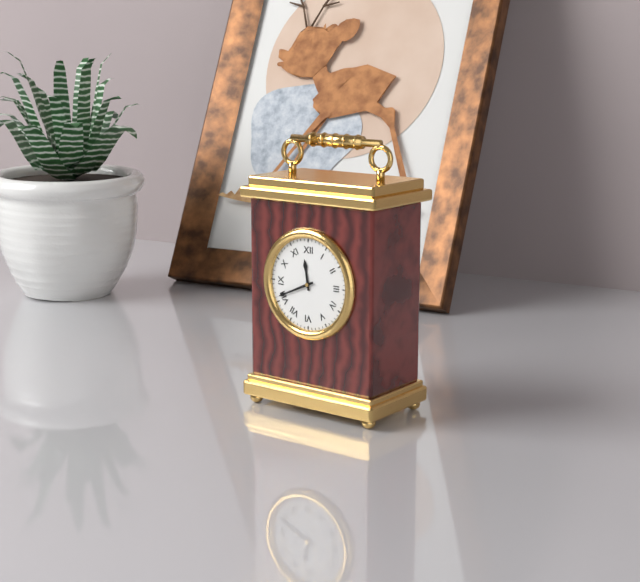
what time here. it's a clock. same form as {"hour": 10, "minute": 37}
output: {"hour": 11, "minute": 41}
